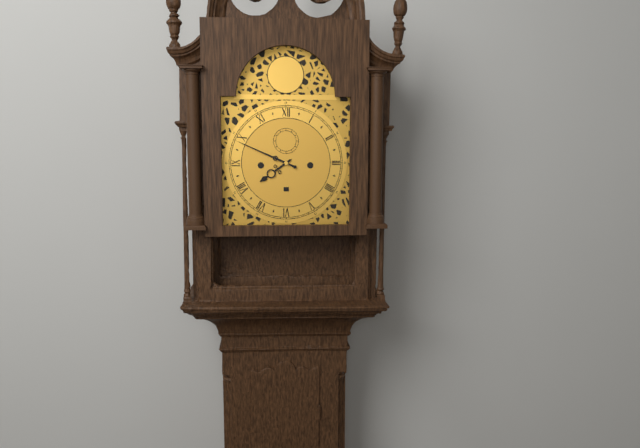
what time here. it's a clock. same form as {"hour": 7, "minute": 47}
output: {"hour": 7, "minute": 49}
